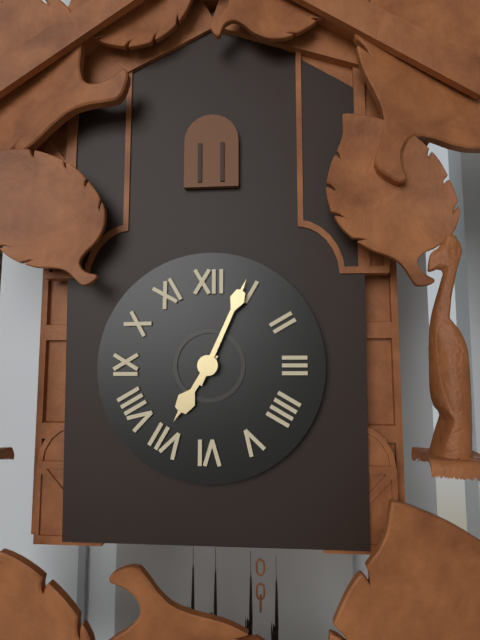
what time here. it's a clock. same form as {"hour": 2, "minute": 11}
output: {"hour": 7, "minute": 4}
